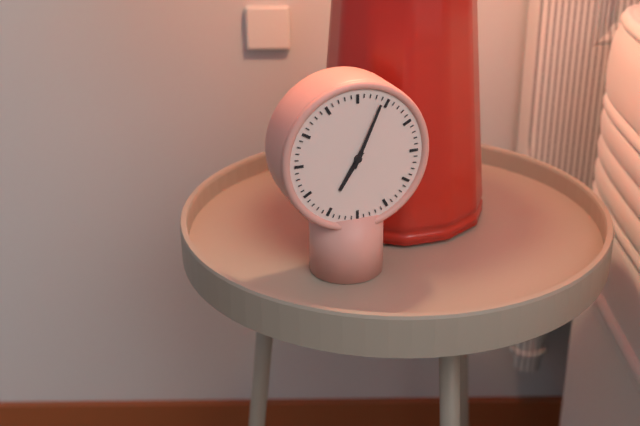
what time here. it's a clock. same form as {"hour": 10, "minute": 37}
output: {"hour": 7, "minute": 4}
